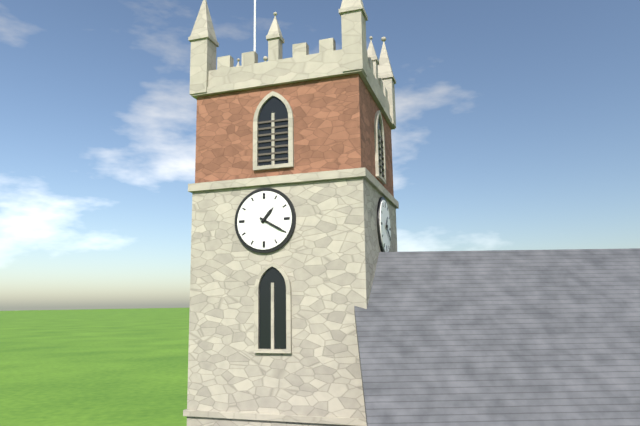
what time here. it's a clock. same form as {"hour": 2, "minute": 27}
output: {"hour": 1, "minute": 20}
